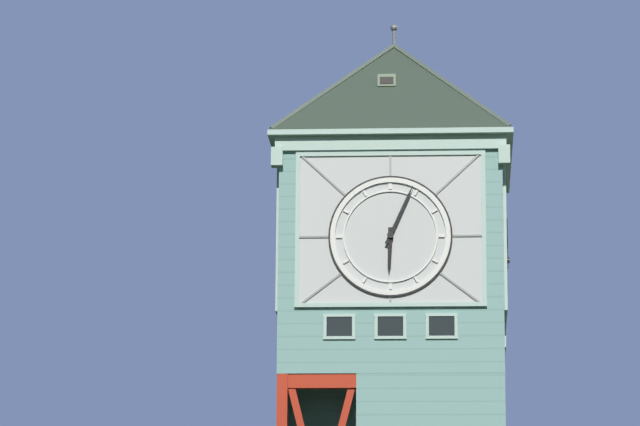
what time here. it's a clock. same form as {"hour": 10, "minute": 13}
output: {"hour": 6, "minute": 4}
